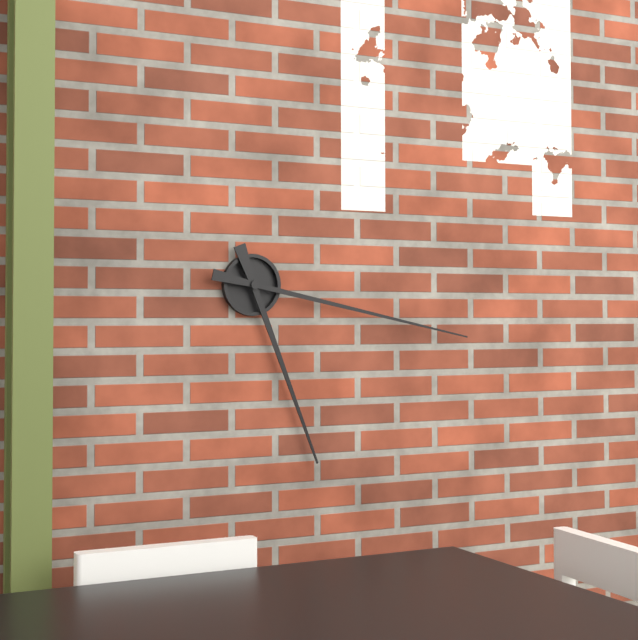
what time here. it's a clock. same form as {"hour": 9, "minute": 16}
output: {"hour": 5, "minute": 17}
